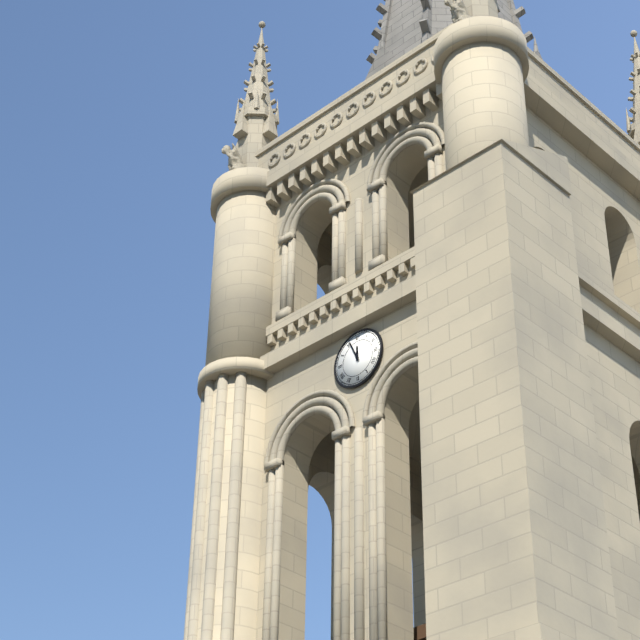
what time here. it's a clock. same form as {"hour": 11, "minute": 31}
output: {"hour": 11, "minute": 56}
